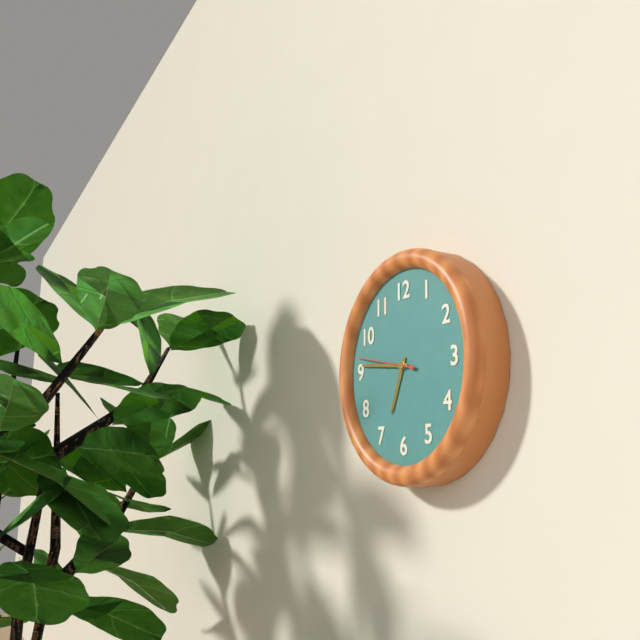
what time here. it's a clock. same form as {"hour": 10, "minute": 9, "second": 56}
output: {"hour": 6, "minute": 46, "second": 47}
